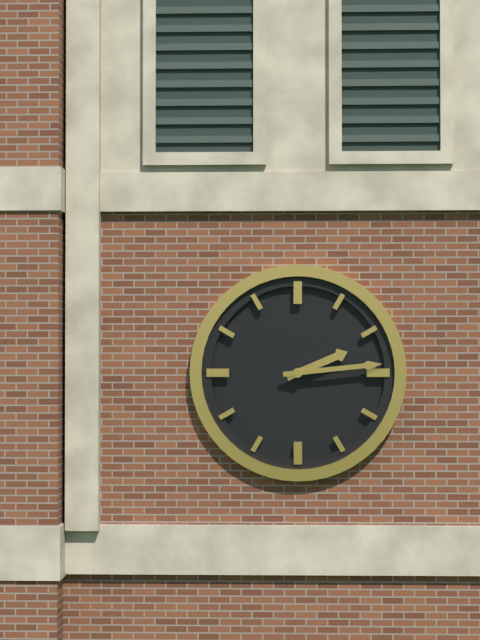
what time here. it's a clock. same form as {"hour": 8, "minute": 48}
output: {"hour": 2, "minute": 14}
